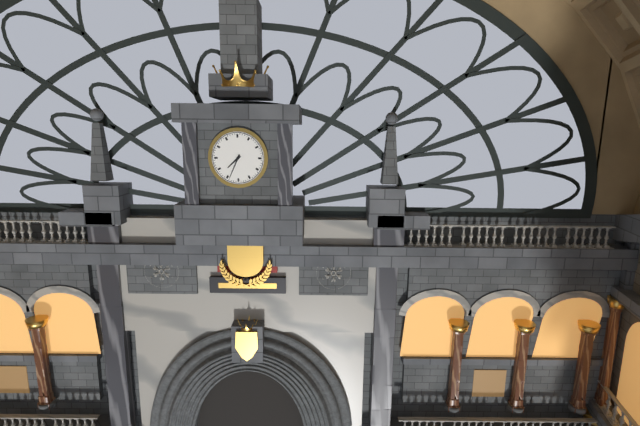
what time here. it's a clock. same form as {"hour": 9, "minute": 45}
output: {"hour": 7, "minute": 34}
